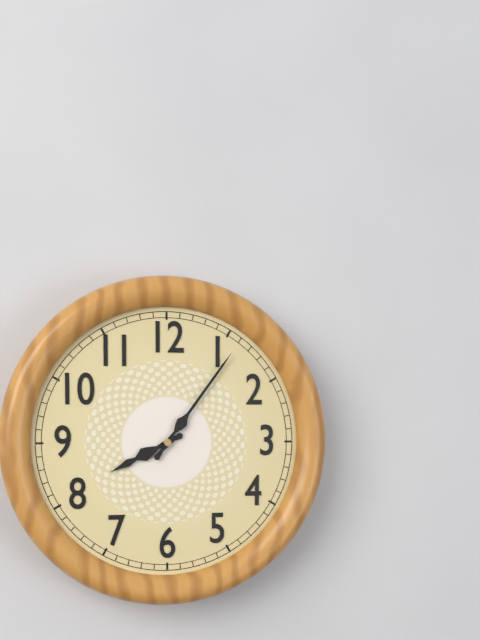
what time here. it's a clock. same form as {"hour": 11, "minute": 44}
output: {"hour": 8, "minute": 6}
